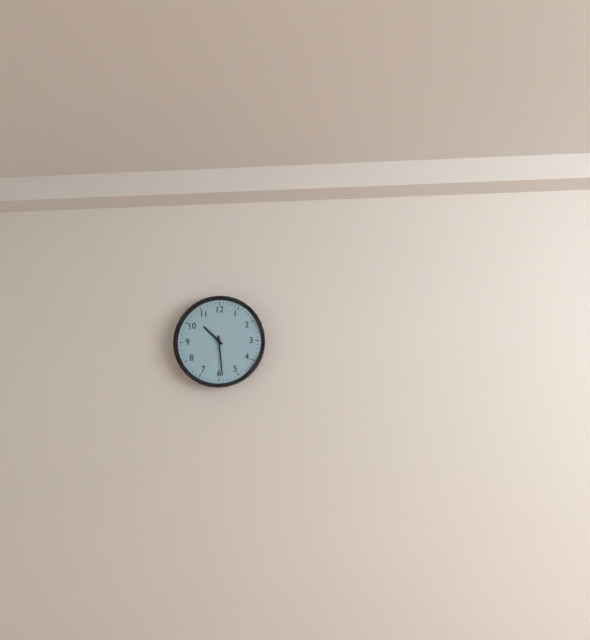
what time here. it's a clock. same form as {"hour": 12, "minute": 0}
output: {"hour": 10, "minute": 29}
